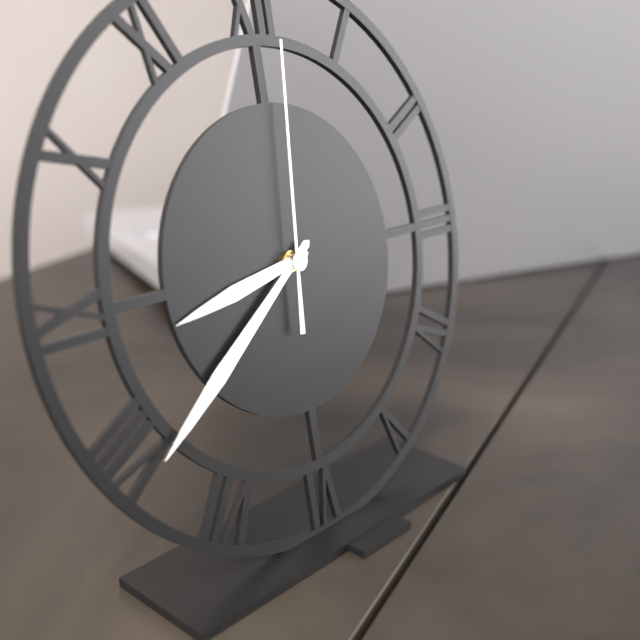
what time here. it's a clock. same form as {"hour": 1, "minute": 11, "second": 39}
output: {"hour": 8, "minute": 39, "second": 1}
